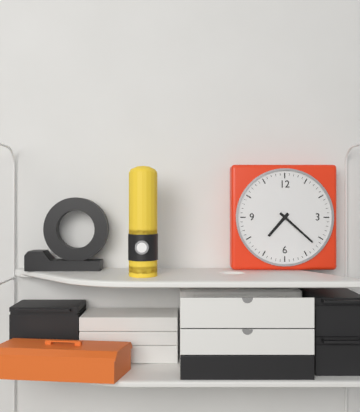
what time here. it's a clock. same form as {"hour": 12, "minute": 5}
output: {"hour": 7, "minute": 22}
